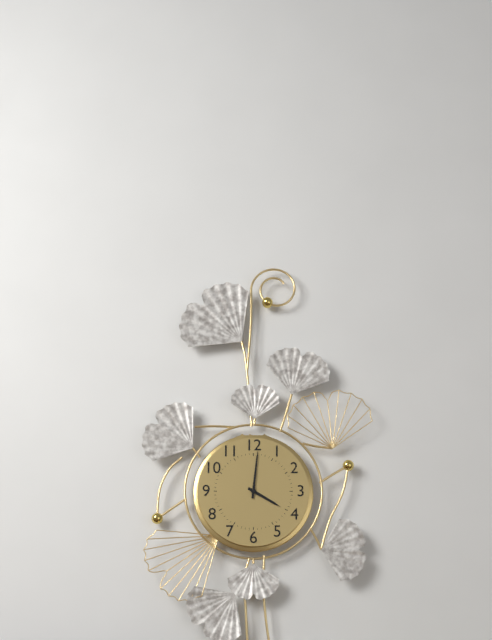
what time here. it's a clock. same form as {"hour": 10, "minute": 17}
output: {"hour": 4, "minute": 1}
